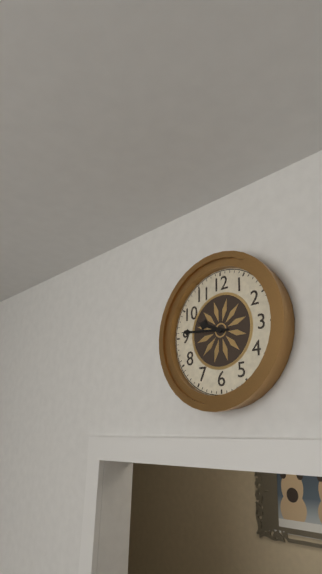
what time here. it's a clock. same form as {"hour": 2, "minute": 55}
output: {"hour": 9, "minute": 46}
